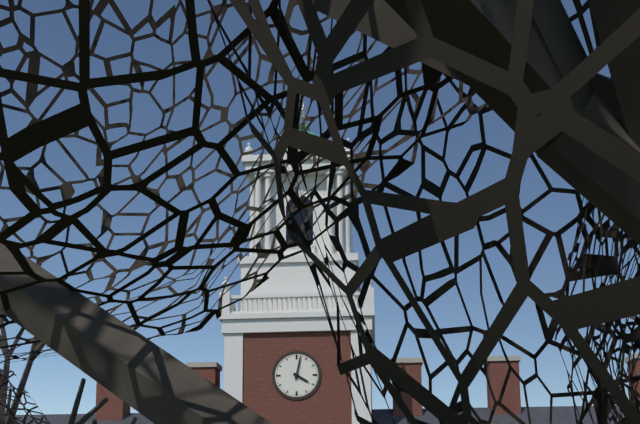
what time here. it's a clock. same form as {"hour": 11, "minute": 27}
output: {"hour": 4, "minute": 2}
